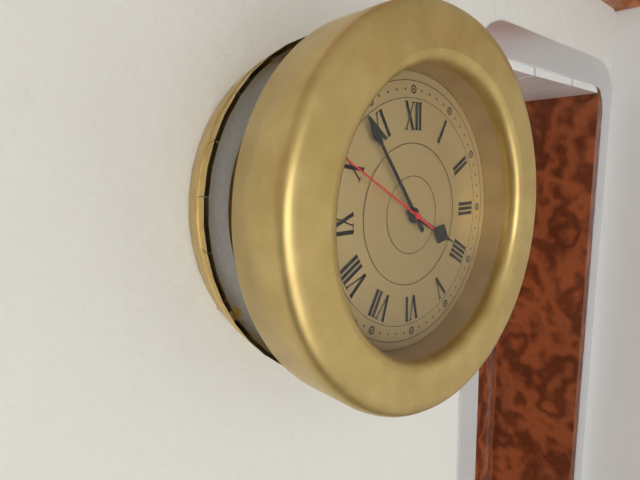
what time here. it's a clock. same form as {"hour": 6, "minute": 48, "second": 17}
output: {"hour": 3, "minute": 54, "second": 50}
